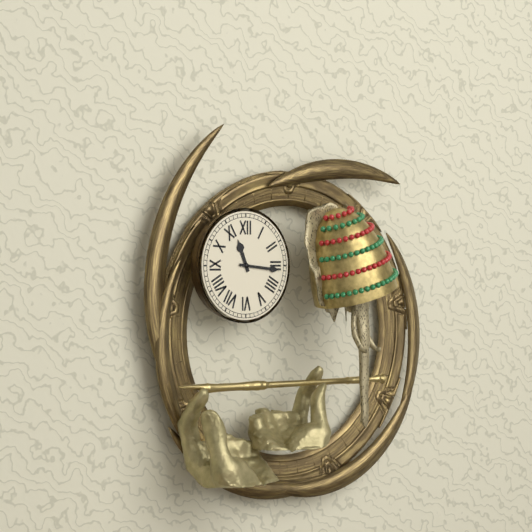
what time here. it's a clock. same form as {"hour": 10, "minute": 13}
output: {"hour": 11, "minute": 16}
